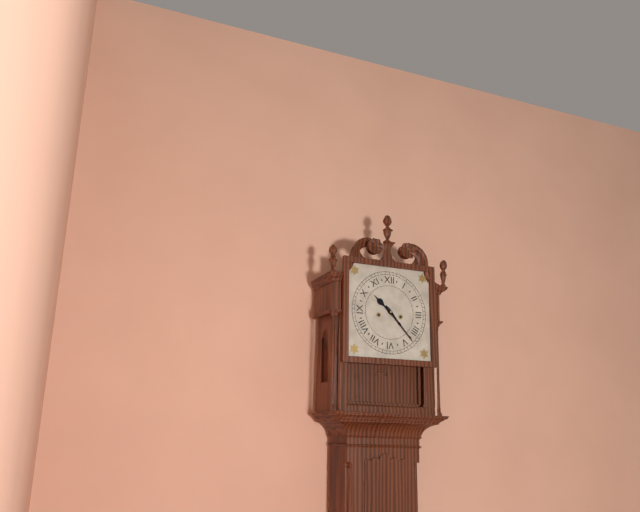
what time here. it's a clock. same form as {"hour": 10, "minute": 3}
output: {"hour": 10, "minute": 23}
